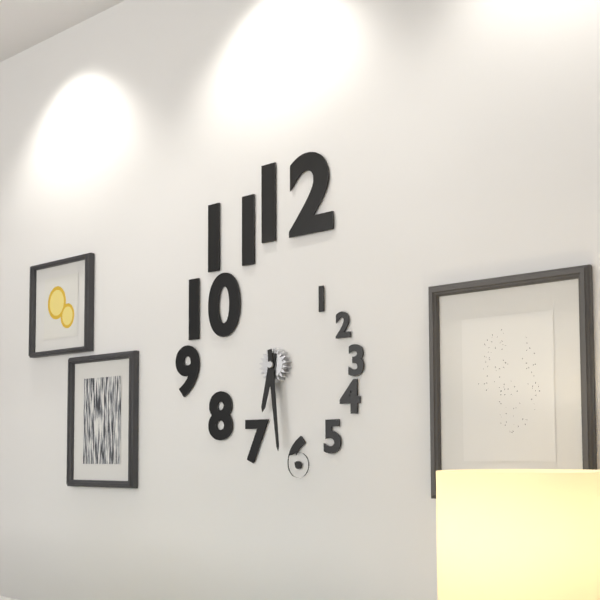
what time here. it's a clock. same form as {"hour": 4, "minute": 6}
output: {"hour": 6, "minute": 29}
